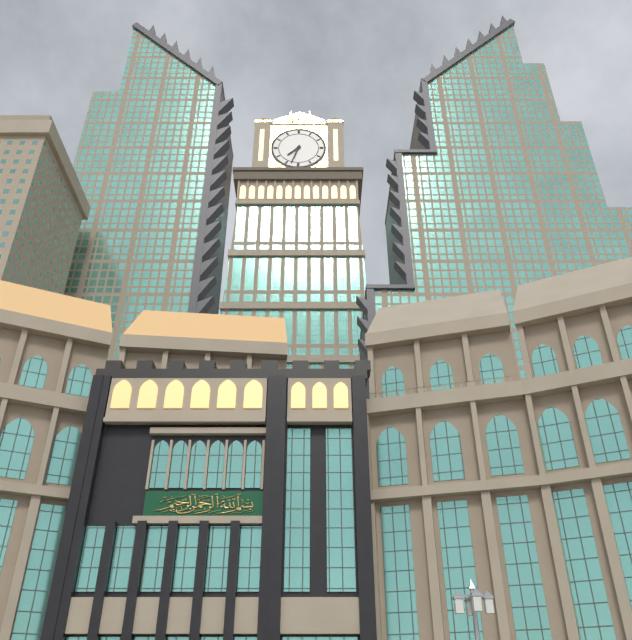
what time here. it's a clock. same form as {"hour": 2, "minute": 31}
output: {"hour": 7, "minute": 33}
